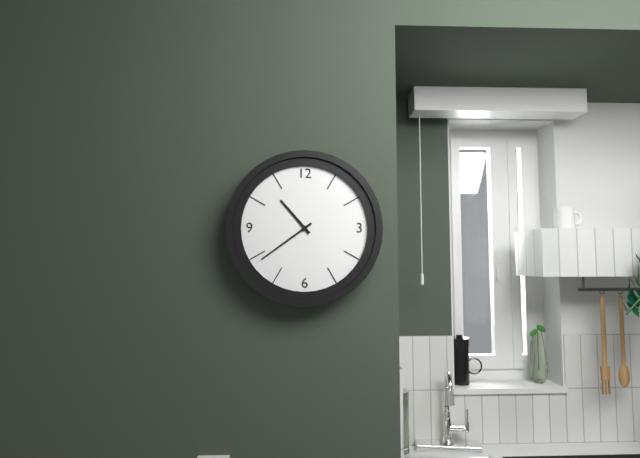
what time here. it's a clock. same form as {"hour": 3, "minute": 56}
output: {"hour": 10, "minute": 39}
